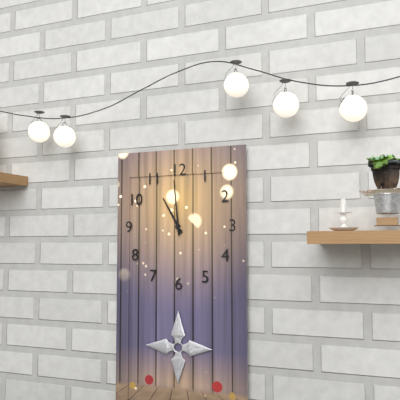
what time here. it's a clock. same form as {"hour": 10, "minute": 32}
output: {"hour": 10, "minute": 59}
